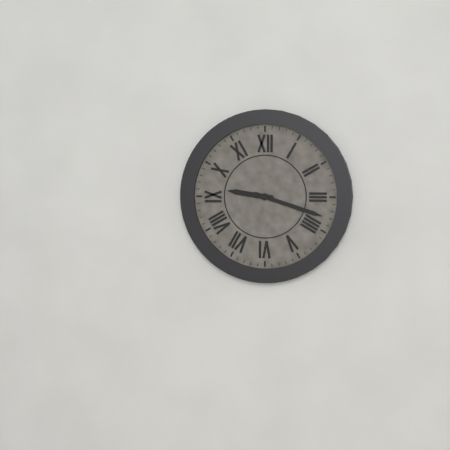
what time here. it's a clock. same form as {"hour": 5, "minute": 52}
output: {"hour": 9, "minute": 18}
